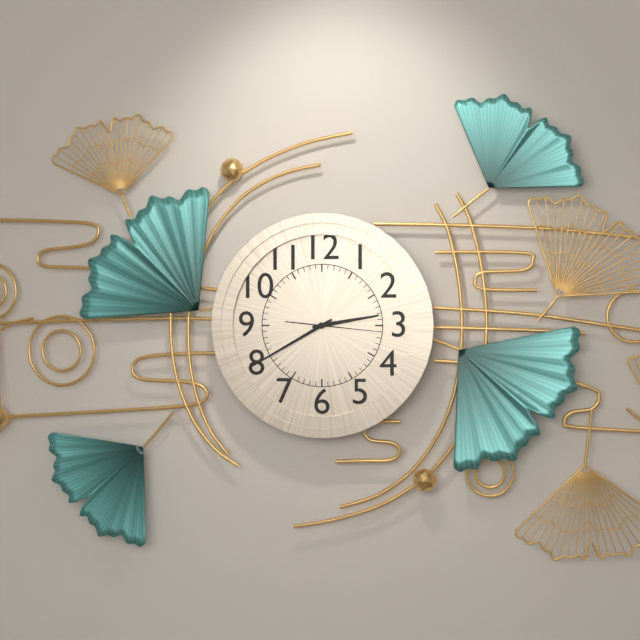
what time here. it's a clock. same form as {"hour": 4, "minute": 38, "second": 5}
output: {"hour": 2, "minute": 40, "second": 16}
